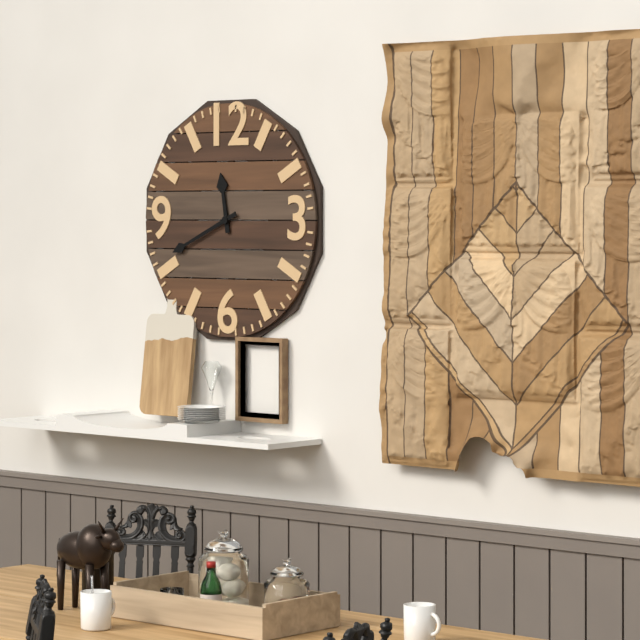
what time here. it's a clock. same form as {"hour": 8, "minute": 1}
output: {"hour": 11, "minute": 41}
